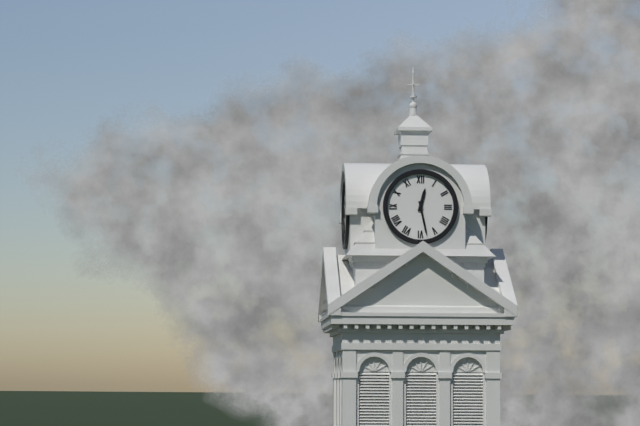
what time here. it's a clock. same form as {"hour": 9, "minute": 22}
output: {"hour": 12, "minute": 28}
